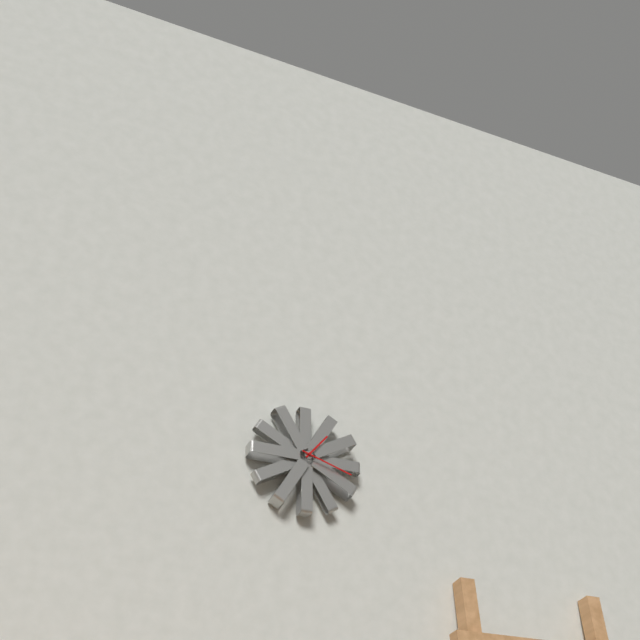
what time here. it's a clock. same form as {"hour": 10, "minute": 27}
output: {"hour": 1, "minute": 18}
